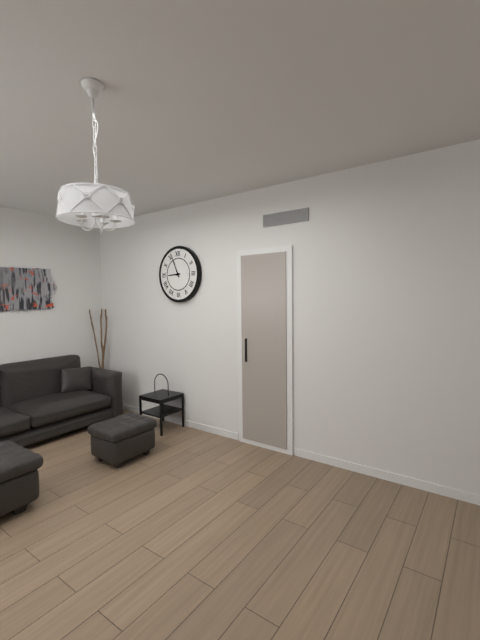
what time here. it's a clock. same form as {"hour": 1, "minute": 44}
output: {"hour": 8, "minute": 56}
